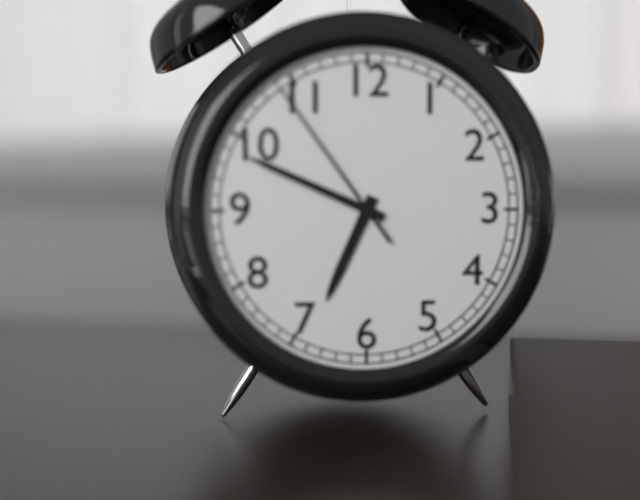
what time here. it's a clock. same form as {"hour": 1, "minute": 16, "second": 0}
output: {"hour": 6, "minute": 49, "second": 54}
